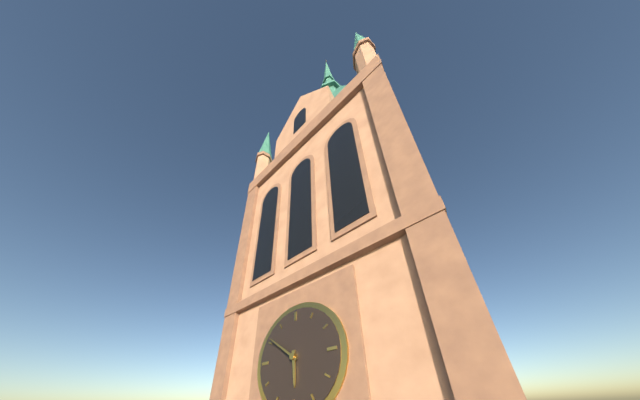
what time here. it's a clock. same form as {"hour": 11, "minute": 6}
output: {"hour": 5, "minute": 51}
